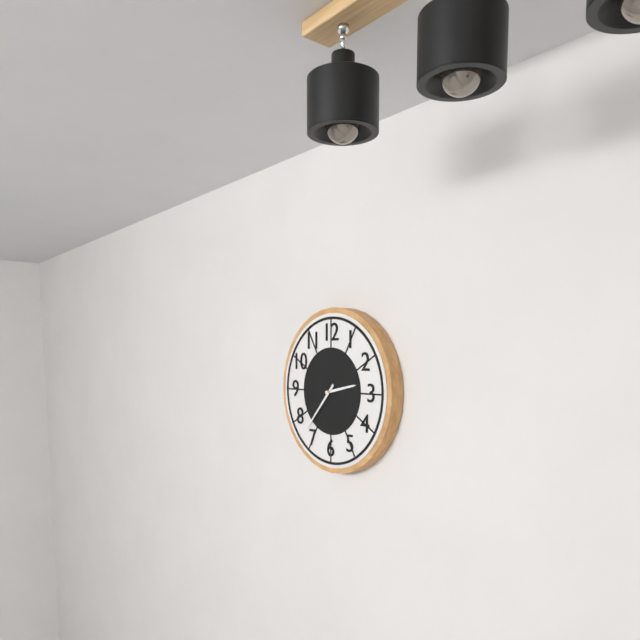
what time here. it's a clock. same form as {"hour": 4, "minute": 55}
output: {"hour": 2, "minute": 37}
